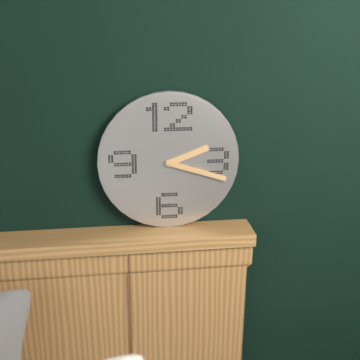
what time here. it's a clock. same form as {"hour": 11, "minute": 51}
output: {"hour": 2, "minute": 18}
